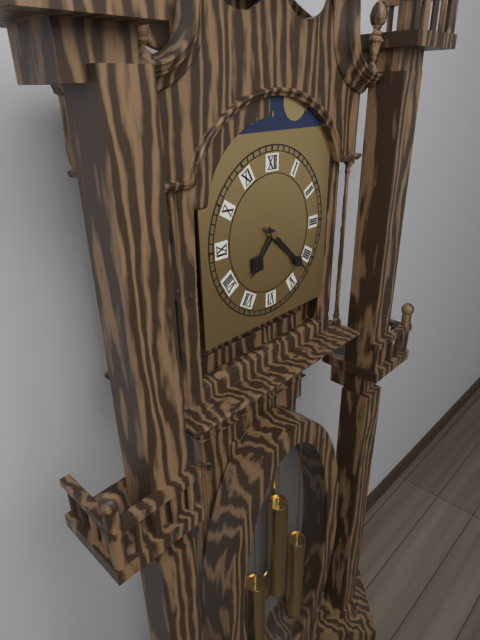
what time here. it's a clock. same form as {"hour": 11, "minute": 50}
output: {"hour": 7, "minute": 22}
